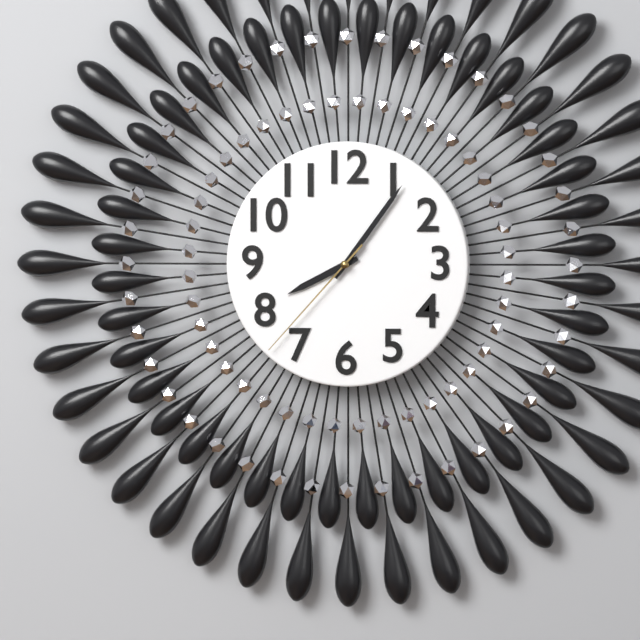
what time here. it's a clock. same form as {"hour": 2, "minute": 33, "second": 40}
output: {"hour": 8, "minute": 6, "second": 37}
